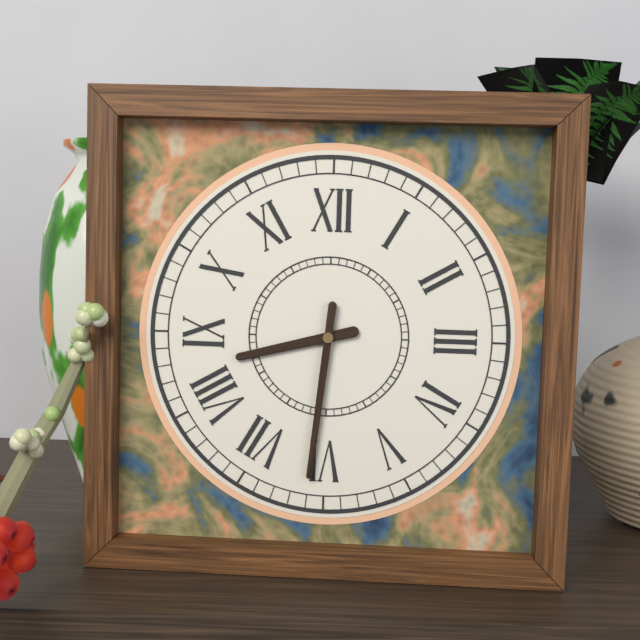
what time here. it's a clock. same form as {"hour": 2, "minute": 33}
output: {"hour": 8, "minute": 31}
